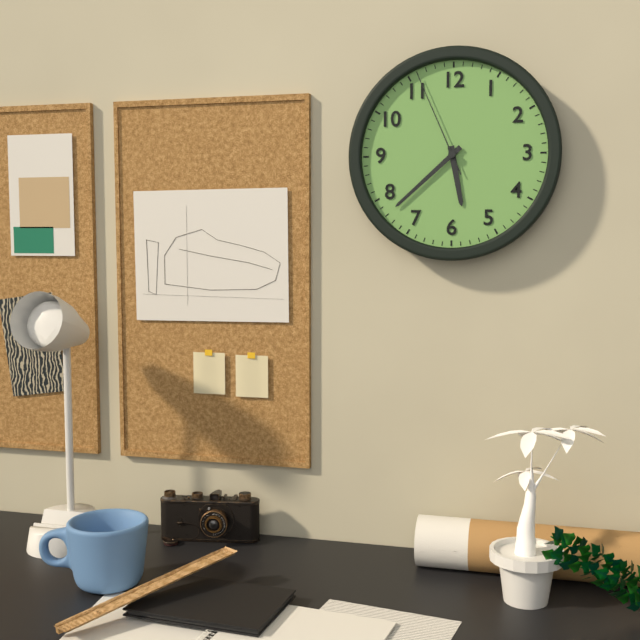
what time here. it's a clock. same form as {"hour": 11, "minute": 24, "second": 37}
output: {"hour": 5, "minute": 38, "second": 56}
